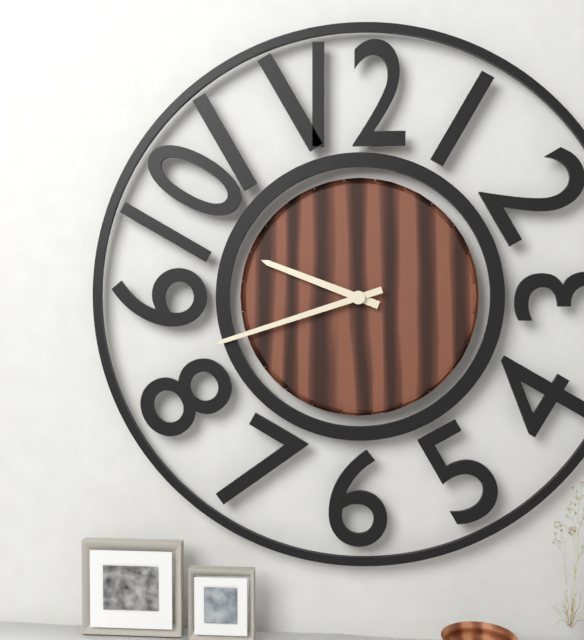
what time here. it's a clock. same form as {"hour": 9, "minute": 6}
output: {"hour": 9, "minute": 42}
